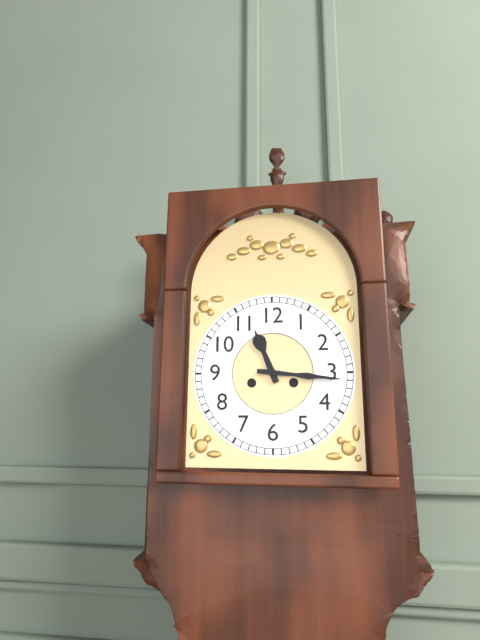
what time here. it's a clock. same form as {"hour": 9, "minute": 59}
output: {"hour": 11, "minute": 16}
